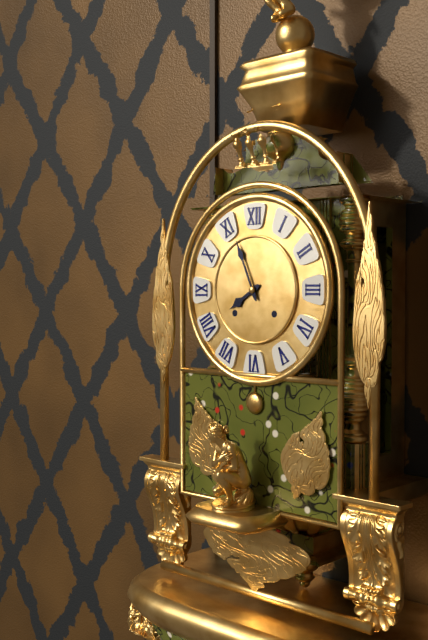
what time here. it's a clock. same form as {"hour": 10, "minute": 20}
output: {"hour": 7, "minute": 56}
